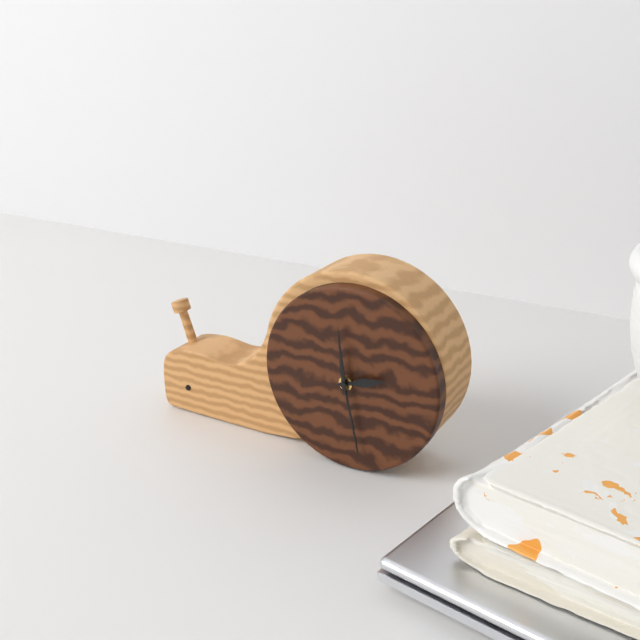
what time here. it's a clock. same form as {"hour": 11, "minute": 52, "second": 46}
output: {"hour": 2, "minute": 28, "second": 59}
